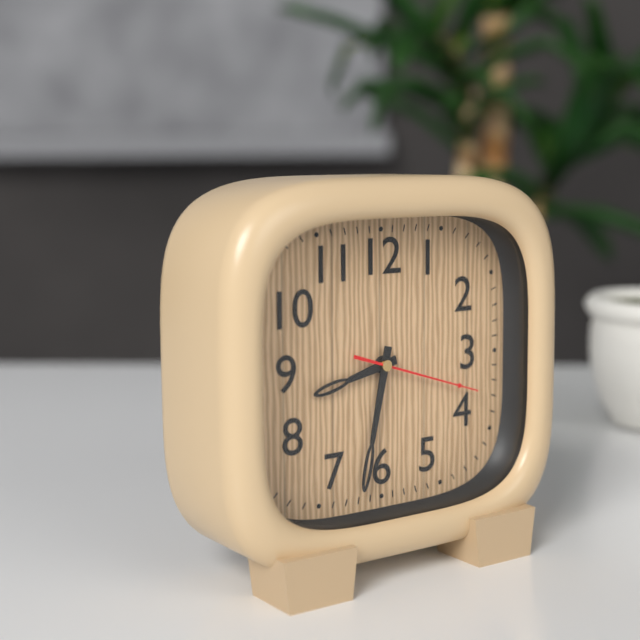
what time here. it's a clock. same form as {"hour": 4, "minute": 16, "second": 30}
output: {"hour": 8, "minute": 32, "second": 18}
